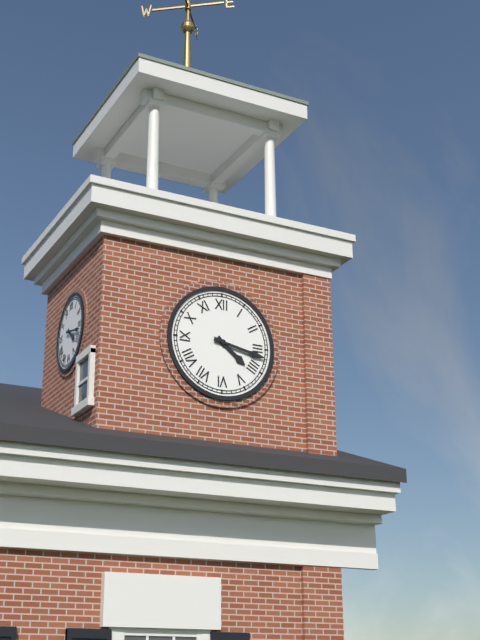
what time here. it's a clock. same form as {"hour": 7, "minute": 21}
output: {"hour": 4, "minute": 17}
